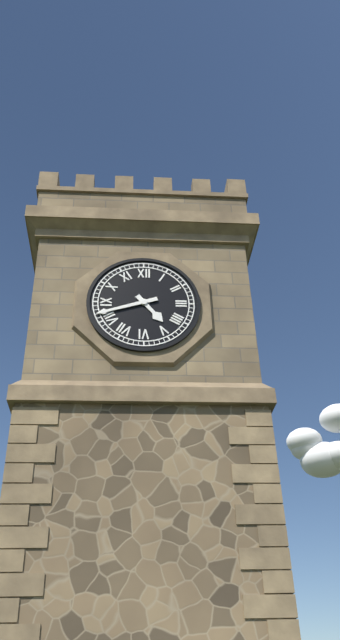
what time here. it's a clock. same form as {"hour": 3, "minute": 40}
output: {"hour": 4, "minute": 42}
